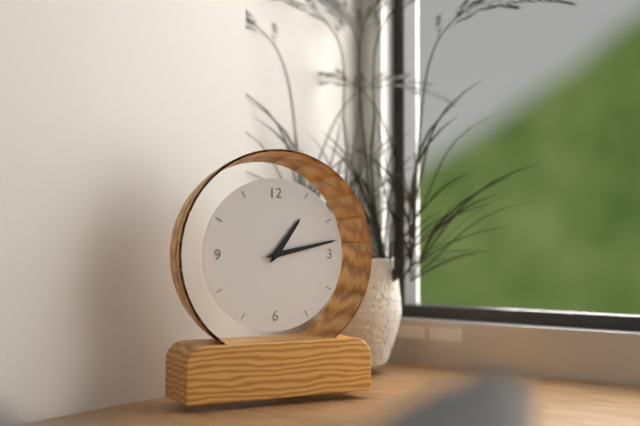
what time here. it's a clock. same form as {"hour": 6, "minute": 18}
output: {"hour": 1, "minute": 13}
